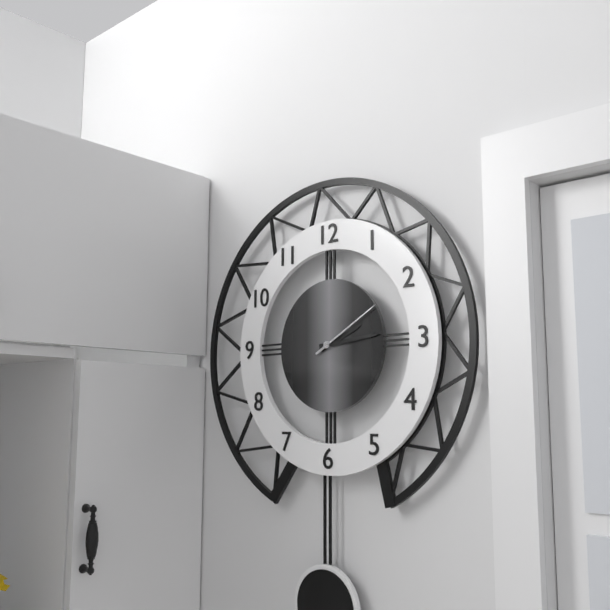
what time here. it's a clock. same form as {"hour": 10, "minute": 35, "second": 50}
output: {"hour": 2, "minute": 14, "second": 10}
